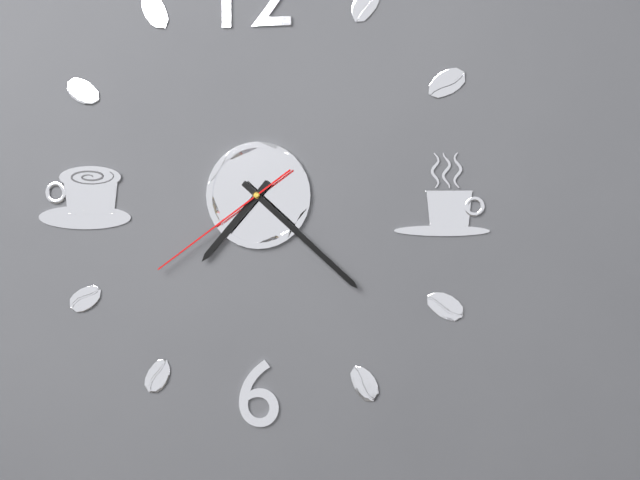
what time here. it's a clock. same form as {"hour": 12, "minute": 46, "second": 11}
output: {"hour": 7, "minute": 22, "second": 39}
